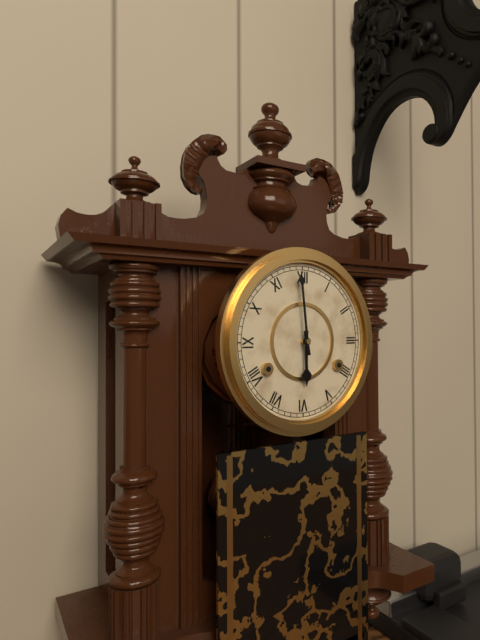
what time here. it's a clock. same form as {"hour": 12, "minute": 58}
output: {"hour": 5, "minute": 59}
